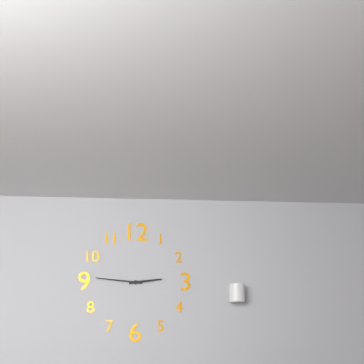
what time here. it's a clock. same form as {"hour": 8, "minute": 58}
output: {"hour": 2, "minute": 46}
